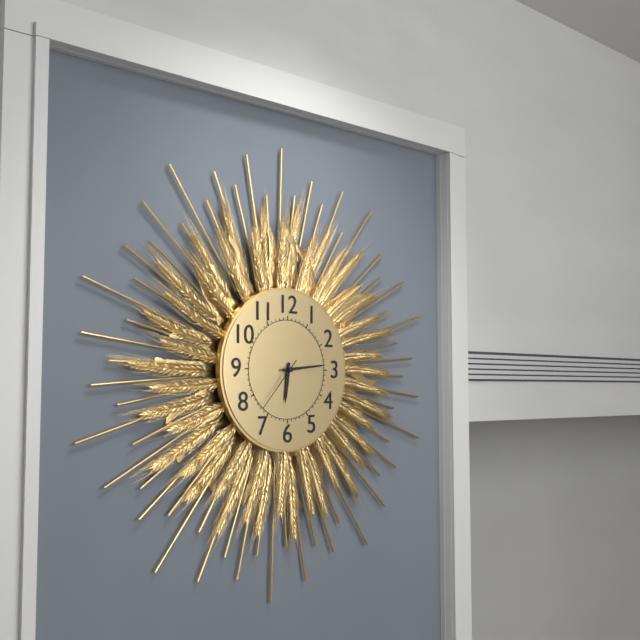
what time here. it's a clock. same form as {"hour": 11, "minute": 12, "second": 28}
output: {"hour": 6, "minute": 14, "second": 37}
